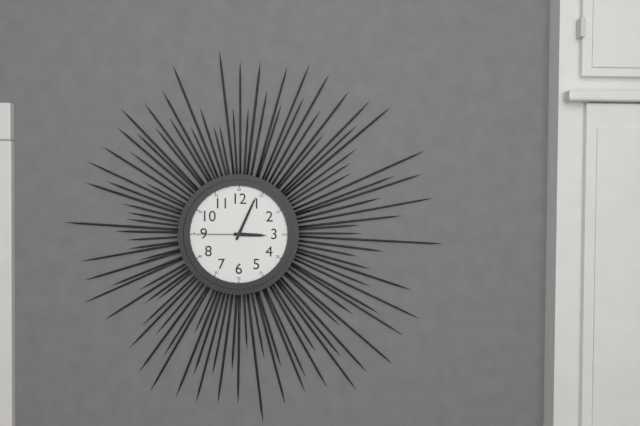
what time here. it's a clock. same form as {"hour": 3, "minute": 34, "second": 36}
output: {"hour": 3, "minute": 4, "second": 45}
